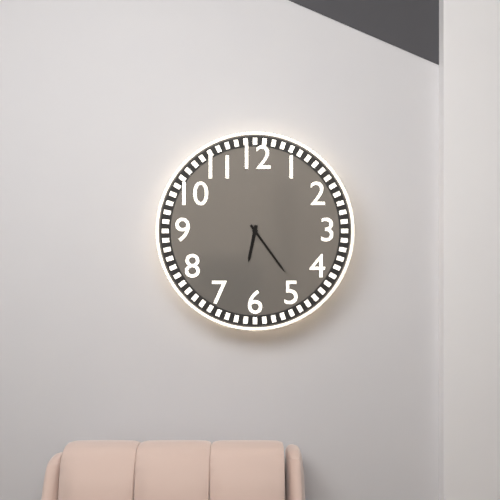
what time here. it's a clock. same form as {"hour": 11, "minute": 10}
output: {"hour": 6, "minute": 24}
